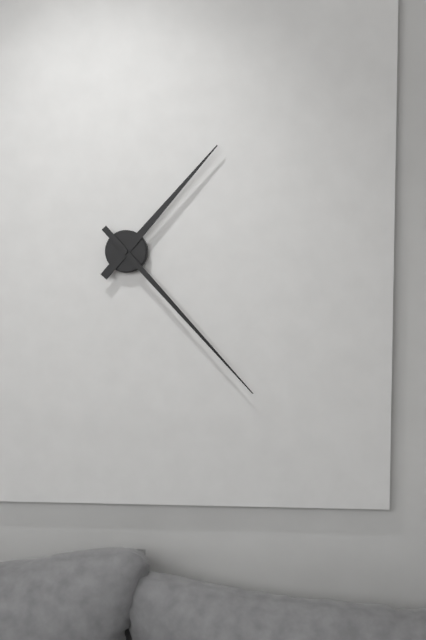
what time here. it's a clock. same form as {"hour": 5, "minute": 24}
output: {"hour": 1, "minute": 23}
